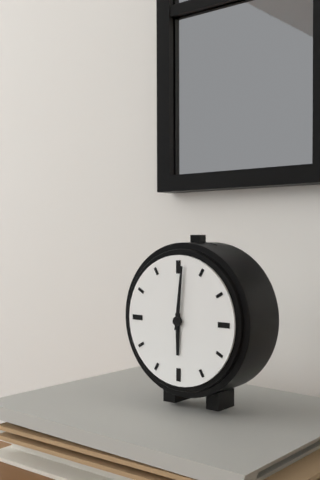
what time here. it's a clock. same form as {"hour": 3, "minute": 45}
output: {"hour": 6, "minute": 1}
